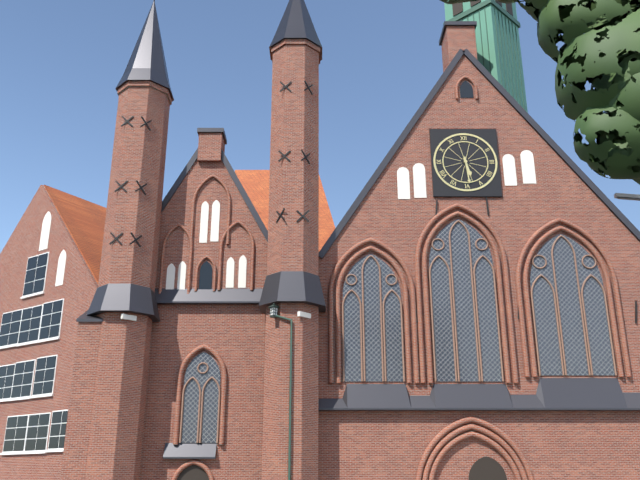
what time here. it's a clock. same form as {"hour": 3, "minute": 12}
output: {"hour": 5, "minute": 29}
